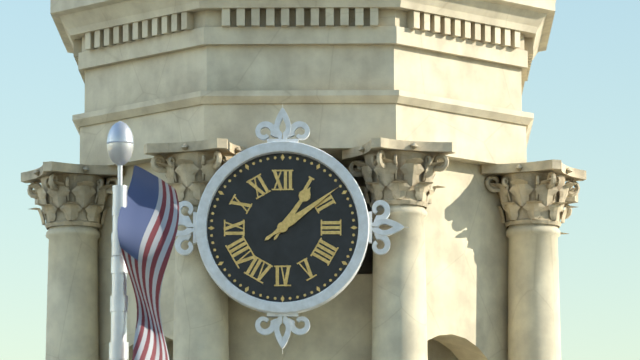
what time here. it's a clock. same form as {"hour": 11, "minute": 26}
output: {"hour": 1, "minute": 9}
